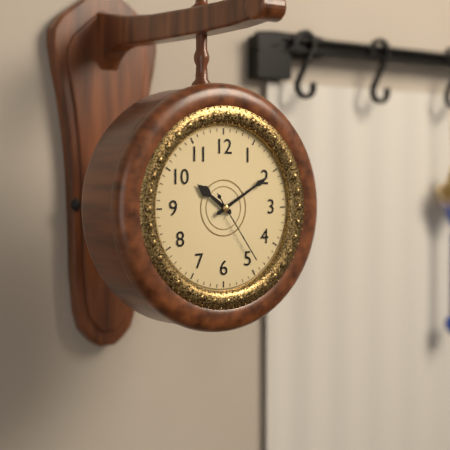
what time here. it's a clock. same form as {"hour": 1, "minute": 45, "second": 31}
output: {"hour": 10, "minute": 10, "second": 24}
